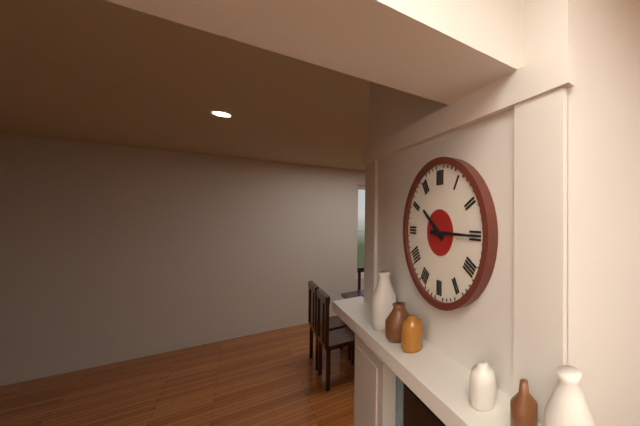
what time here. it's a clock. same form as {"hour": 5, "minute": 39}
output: {"hour": 10, "minute": 15}
